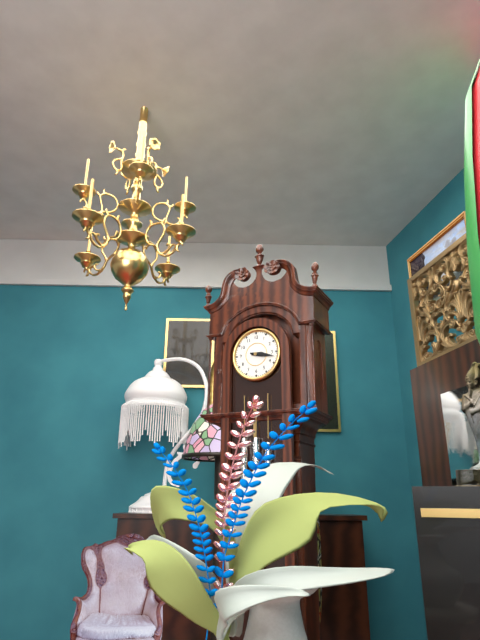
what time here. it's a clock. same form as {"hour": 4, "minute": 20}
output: {"hour": 3, "minute": 17}
